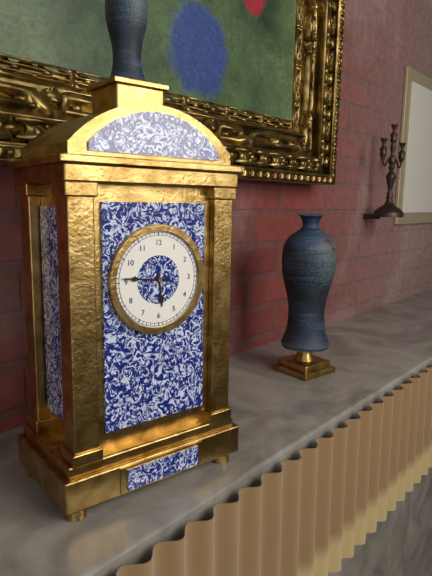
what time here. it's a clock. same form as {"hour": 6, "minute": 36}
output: {"hour": 5, "minute": 46}
